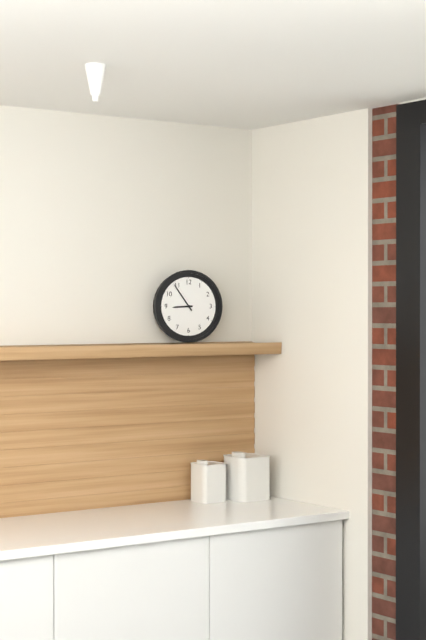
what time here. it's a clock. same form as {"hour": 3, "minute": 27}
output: {"hour": 8, "minute": 54}
